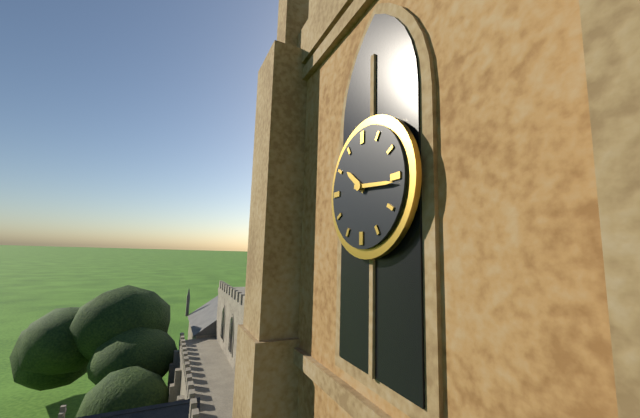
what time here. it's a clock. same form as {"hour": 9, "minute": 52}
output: {"hour": 10, "minute": 16}
